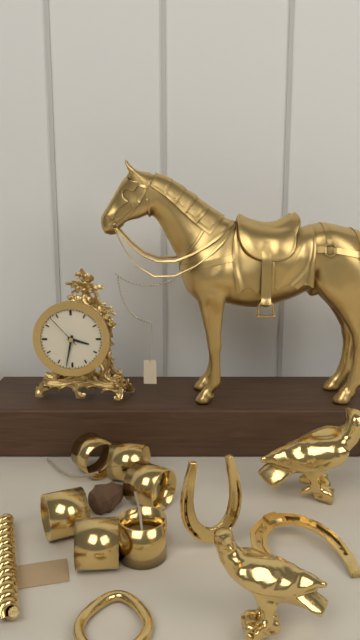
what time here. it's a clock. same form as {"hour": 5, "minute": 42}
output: {"hour": 3, "minute": 32}
